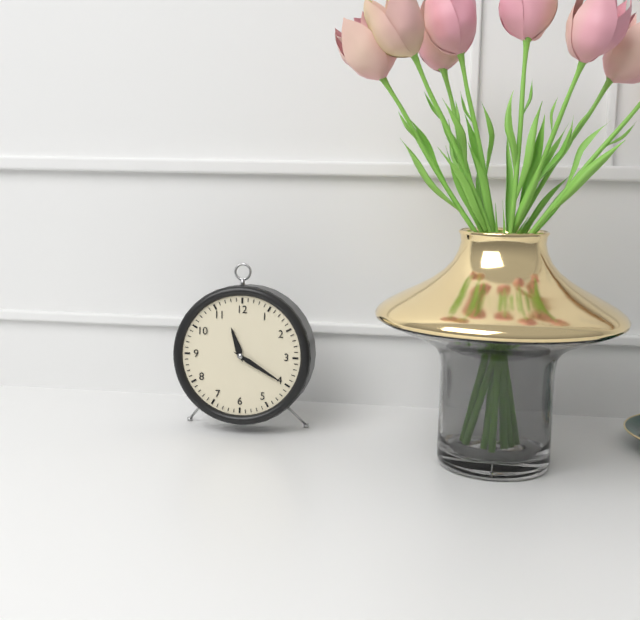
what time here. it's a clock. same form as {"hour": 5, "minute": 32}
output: {"hour": 11, "minute": 20}
